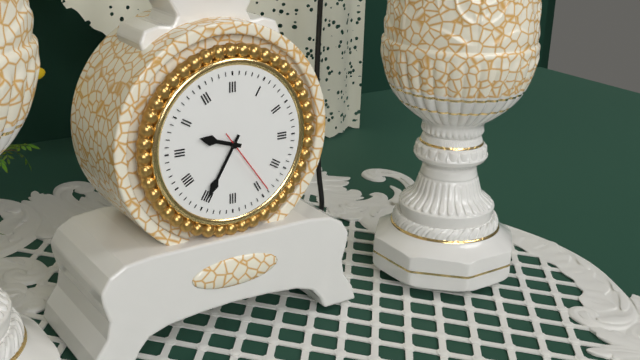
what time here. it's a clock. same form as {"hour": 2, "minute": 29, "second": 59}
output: {"hour": 9, "minute": 35, "second": 24}
